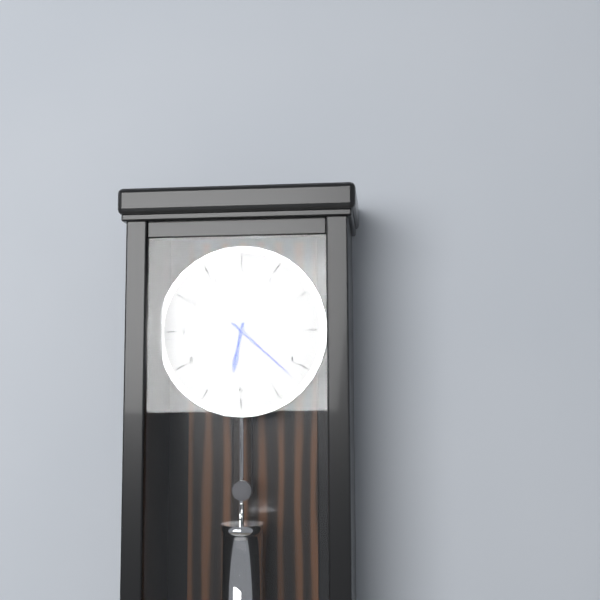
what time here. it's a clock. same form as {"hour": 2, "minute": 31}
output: {"hour": 6, "minute": 22}
